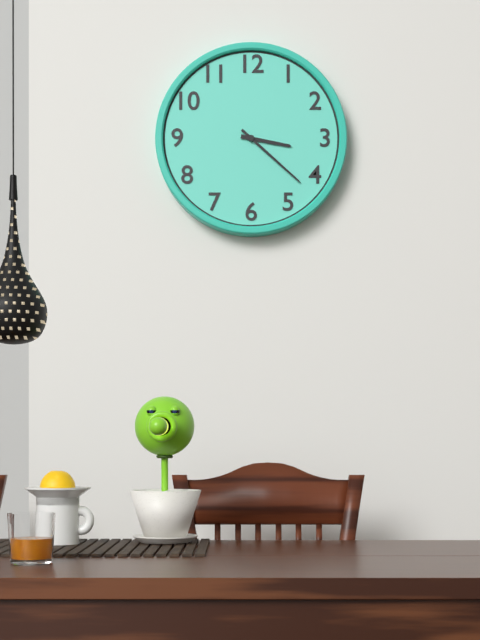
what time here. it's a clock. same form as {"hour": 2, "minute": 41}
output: {"hour": 3, "minute": 22}
